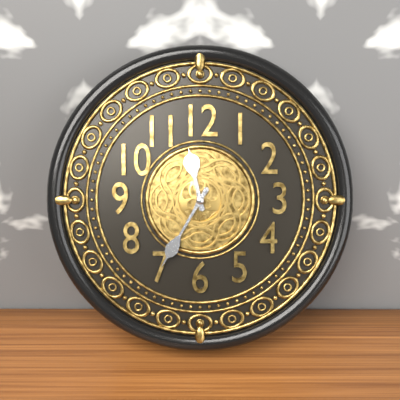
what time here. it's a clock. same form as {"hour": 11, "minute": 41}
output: {"hour": 11, "minute": 35}
